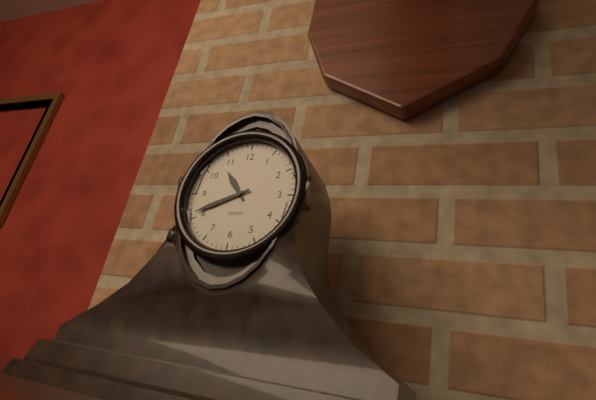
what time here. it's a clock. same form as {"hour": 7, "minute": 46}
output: {"hour": 10, "minute": 41}
